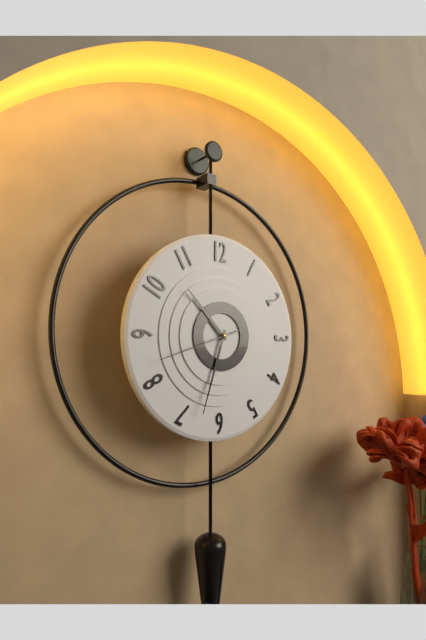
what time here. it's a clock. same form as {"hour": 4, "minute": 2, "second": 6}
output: {"hour": 10, "minute": 33, "second": 42}
